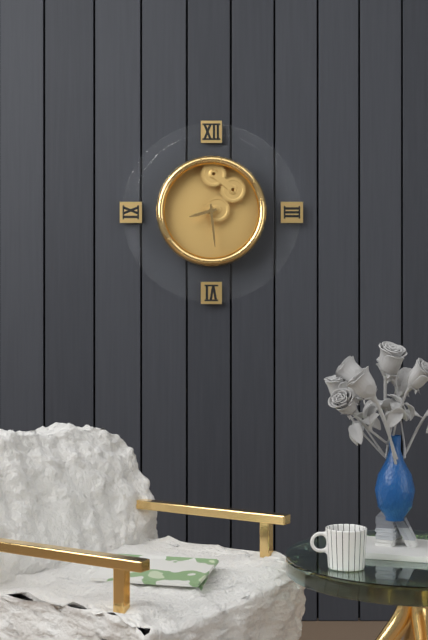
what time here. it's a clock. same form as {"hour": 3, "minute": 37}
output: {"hour": 8, "minute": 29}
